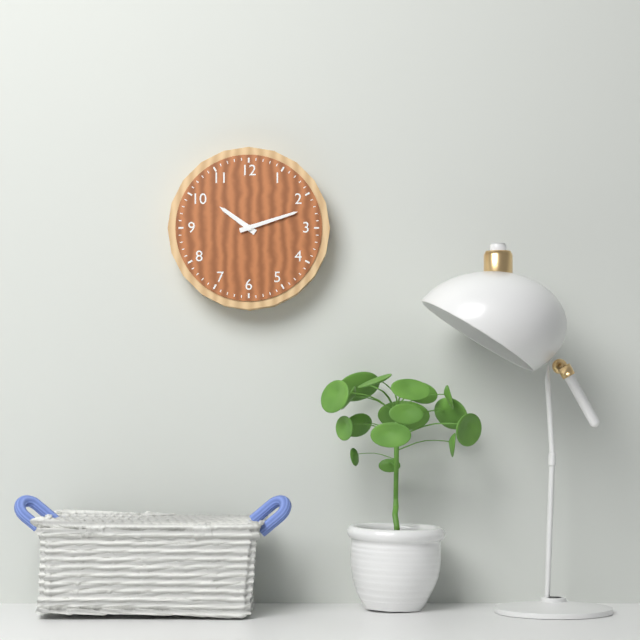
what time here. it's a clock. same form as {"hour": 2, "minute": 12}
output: {"hour": 10, "minute": 12}
